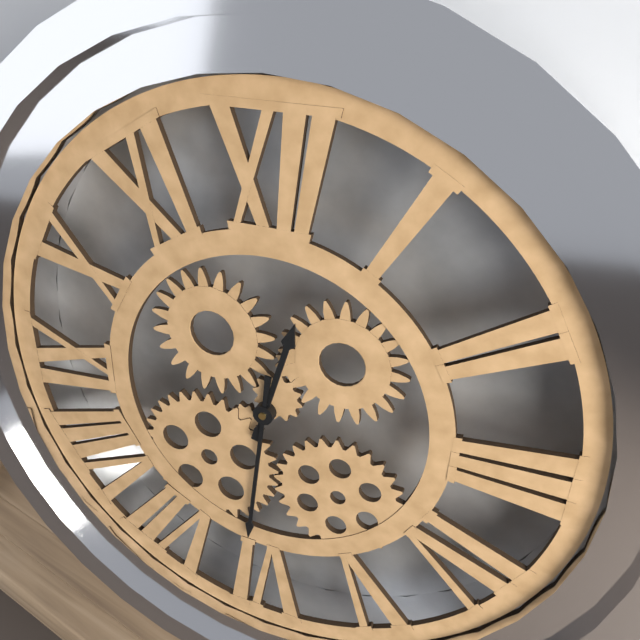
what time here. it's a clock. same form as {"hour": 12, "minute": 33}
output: {"hour": 12, "minute": 31}
